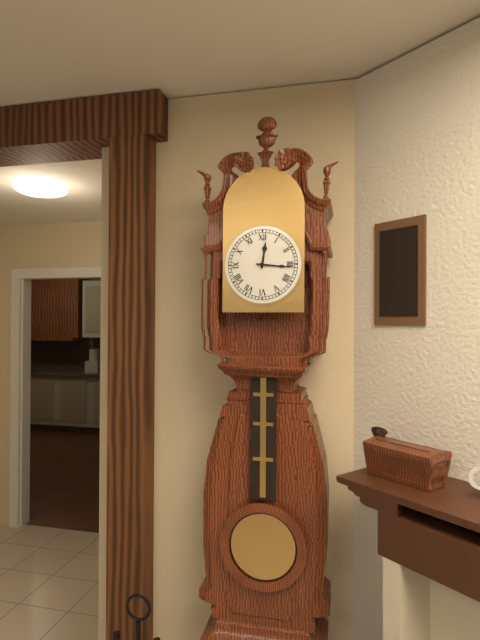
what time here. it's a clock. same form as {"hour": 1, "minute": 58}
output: {"hour": 12, "minute": 16}
